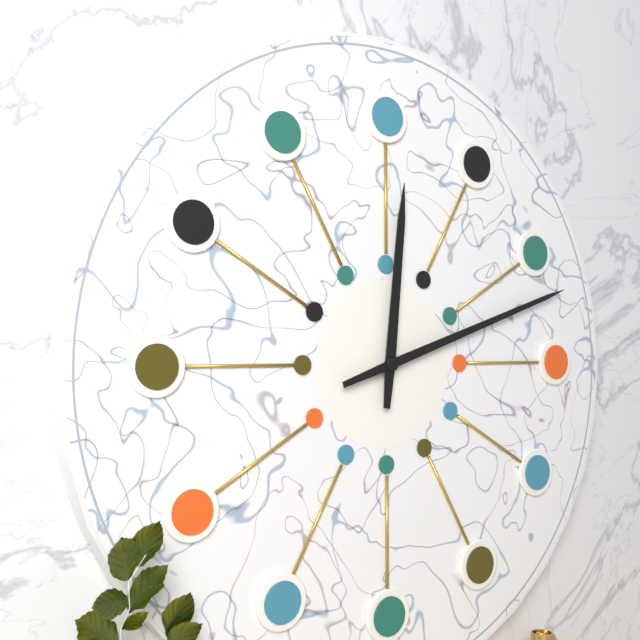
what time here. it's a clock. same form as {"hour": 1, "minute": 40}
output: {"hour": 12, "minute": 12}
